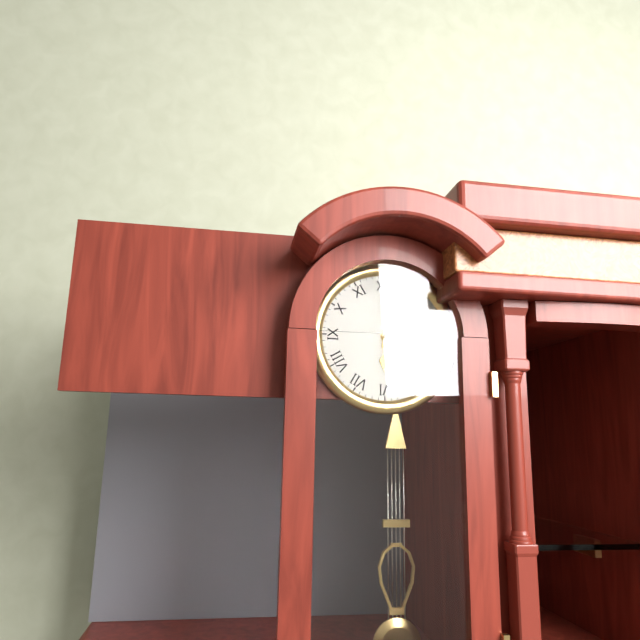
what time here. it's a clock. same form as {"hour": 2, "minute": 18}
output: {"hour": 6, "minute": 2}
